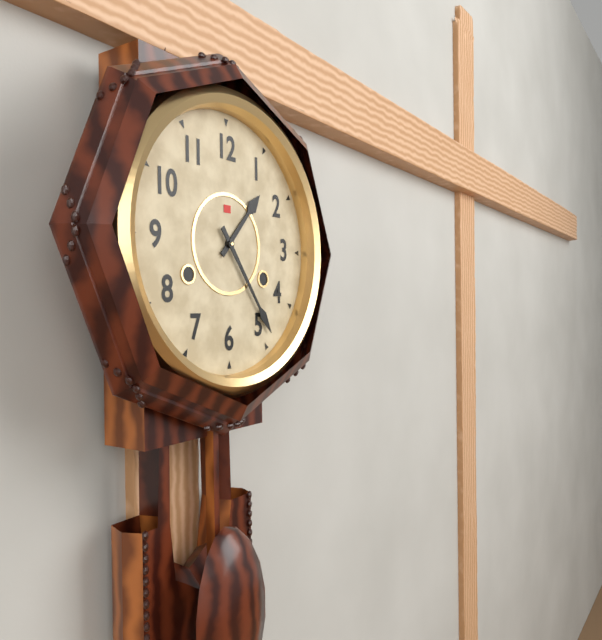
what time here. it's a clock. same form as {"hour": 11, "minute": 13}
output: {"hour": 1, "minute": 24}
